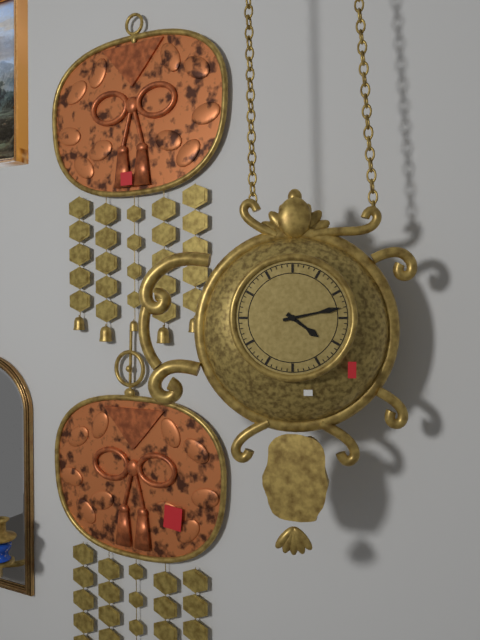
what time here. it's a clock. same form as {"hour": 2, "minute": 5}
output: {"hour": 4, "minute": 13}
